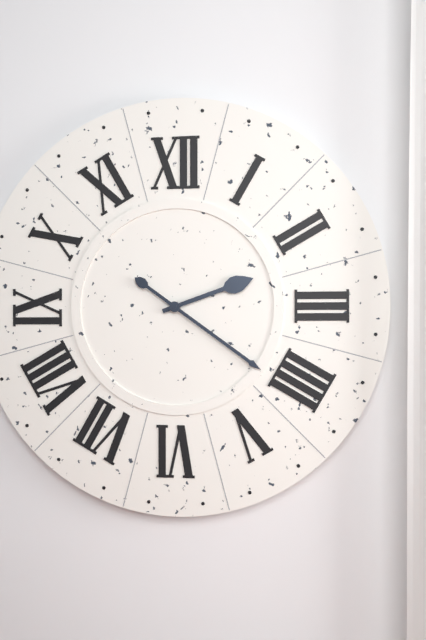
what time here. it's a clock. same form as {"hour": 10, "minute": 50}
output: {"hour": 2, "minute": 21}
